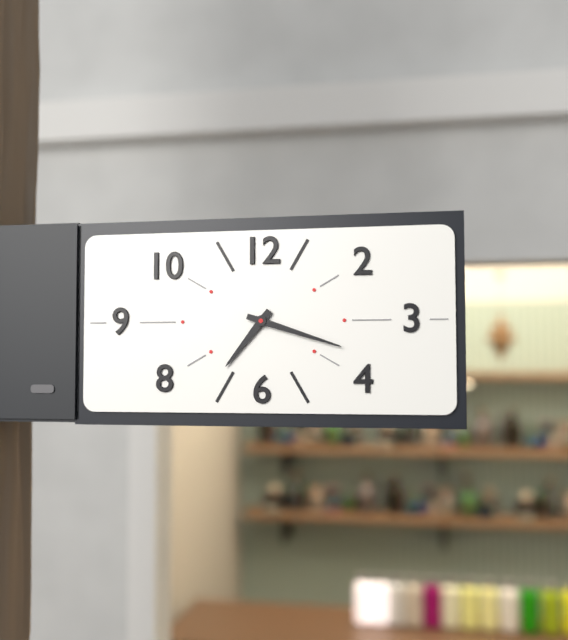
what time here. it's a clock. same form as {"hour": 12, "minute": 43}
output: {"hour": 7, "minute": 18}
